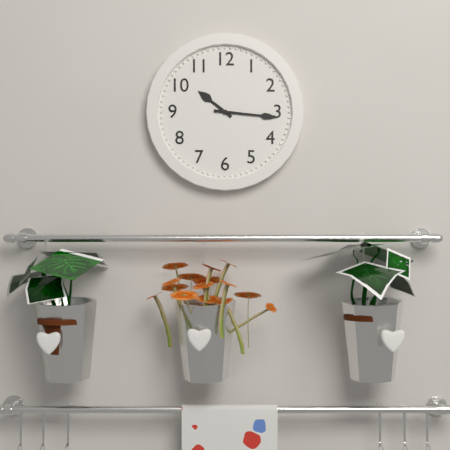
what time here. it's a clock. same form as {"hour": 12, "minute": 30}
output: {"hour": 10, "minute": 16}
